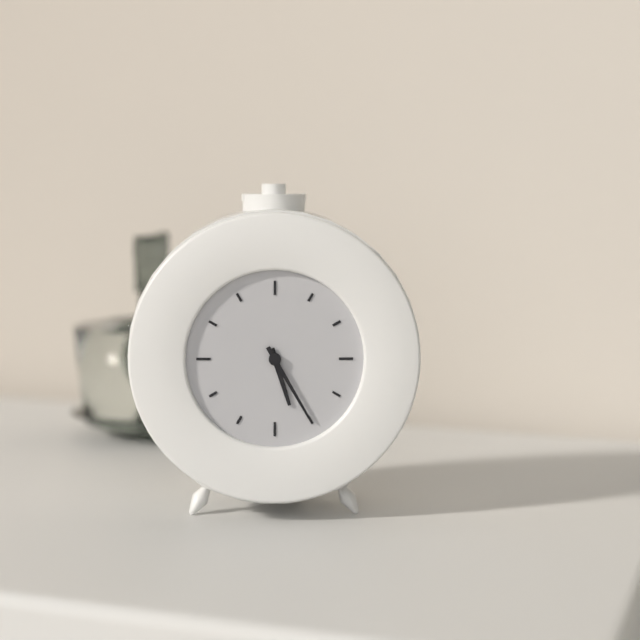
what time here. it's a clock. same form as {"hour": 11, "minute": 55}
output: {"hour": 5, "minute": 25}
